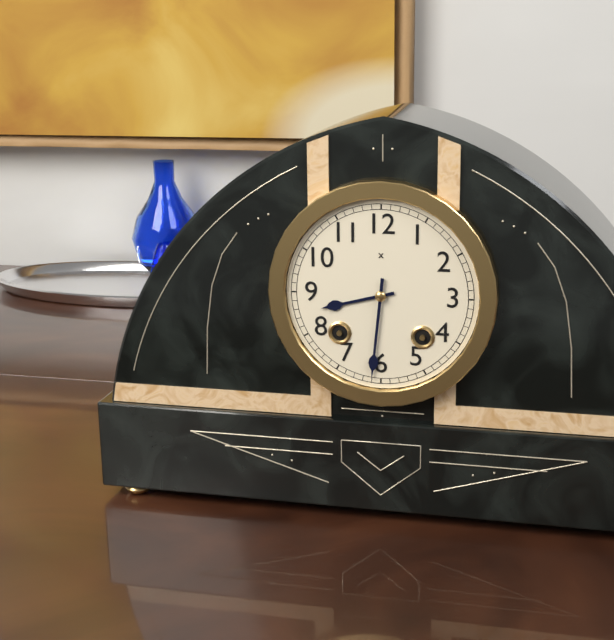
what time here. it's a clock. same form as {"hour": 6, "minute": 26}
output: {"hour": 8, "minute": 31}
